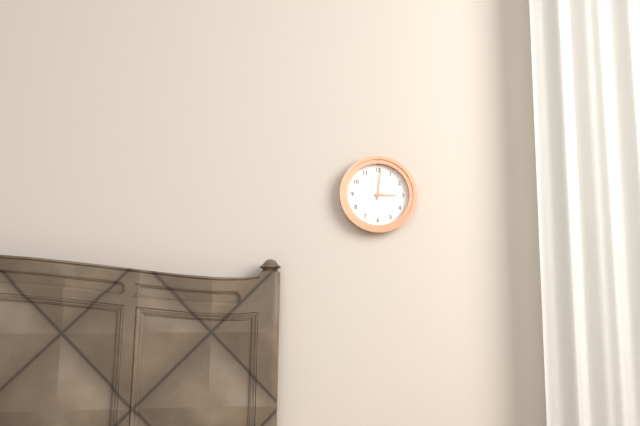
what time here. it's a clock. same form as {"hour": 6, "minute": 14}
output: {"hour": 3, "minute": 1}
